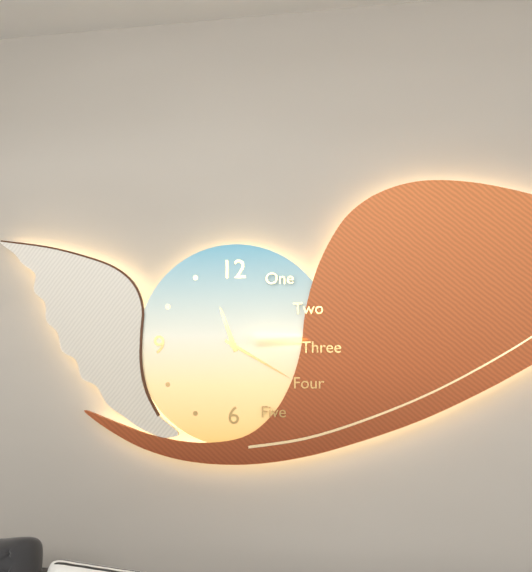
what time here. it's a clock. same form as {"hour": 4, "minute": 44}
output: {"hour": 11, "minute": 20}
